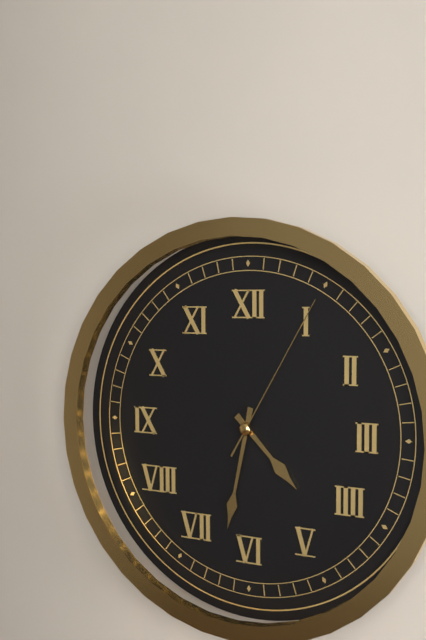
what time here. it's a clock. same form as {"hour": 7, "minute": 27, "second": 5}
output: {"hour": 4, "minute": 32, "second": 5}
